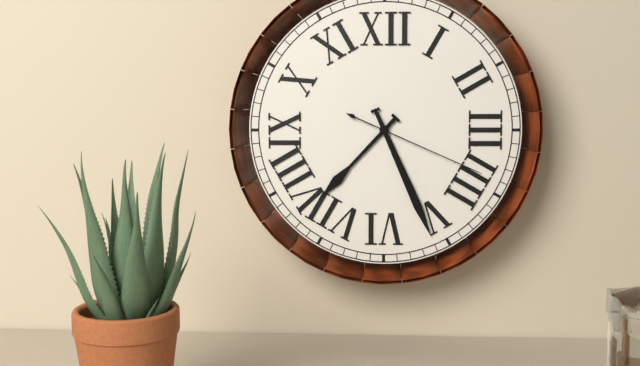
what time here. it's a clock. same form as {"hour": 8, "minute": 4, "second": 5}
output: {"hour": 7, "minute": 26, "second": 19}
